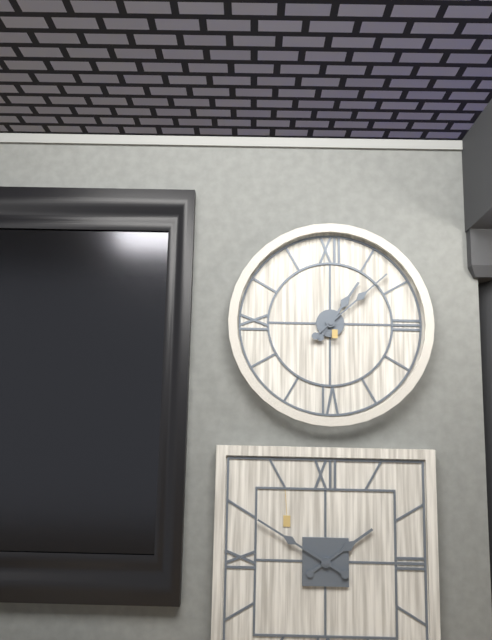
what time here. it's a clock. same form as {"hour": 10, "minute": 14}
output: {"hour": 1, "minute": 8}
